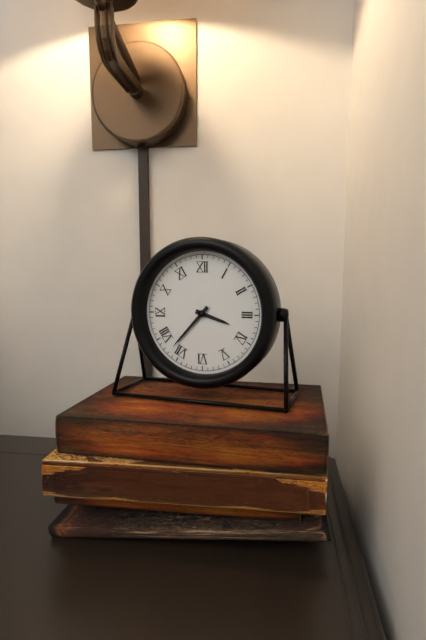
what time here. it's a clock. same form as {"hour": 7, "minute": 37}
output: {"hour": 3, "minute": 37}
